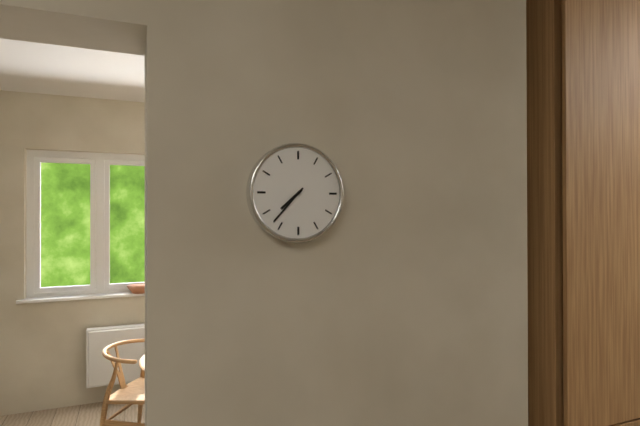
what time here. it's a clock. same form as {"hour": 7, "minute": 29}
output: {"hour": 7, "minute": 37}
